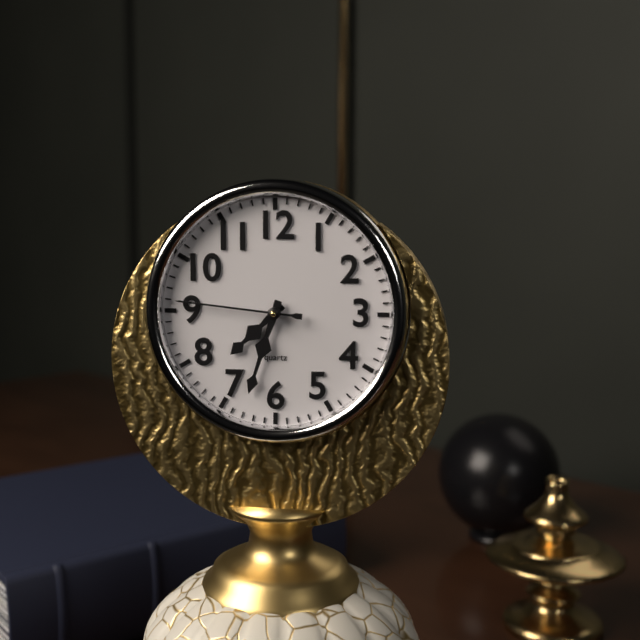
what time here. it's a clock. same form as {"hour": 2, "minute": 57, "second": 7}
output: {"hour": 7, "minute": 33, "second": 46}
